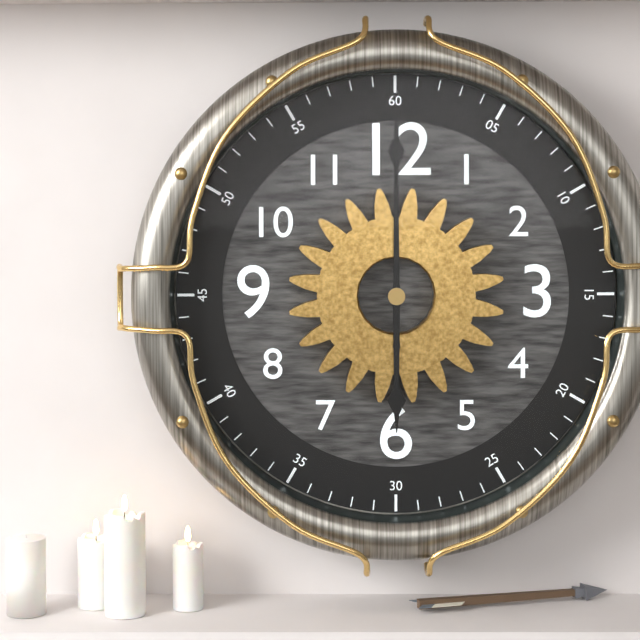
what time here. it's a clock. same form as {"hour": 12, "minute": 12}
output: {"hour": 6, "minute": 0}
